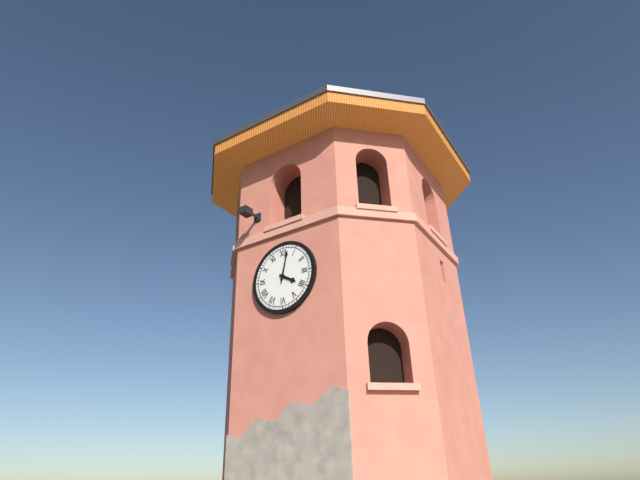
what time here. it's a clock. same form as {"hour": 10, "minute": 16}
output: {"hour": 4, "minute": 2}
